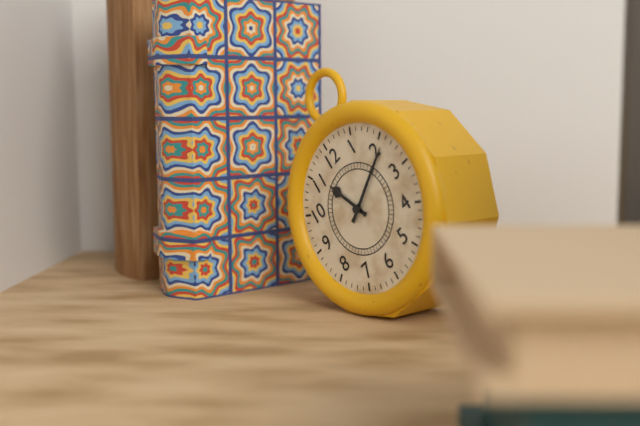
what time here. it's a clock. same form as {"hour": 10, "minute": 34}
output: {"hour": 11, "minute": 11}
